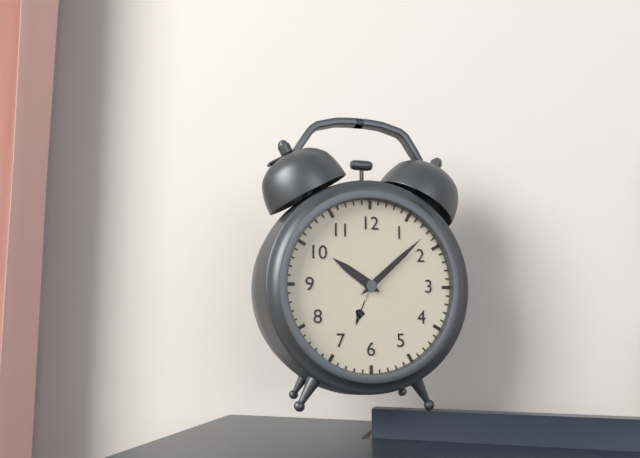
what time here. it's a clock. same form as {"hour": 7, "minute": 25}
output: {"hour": 10, "minute": 8}
